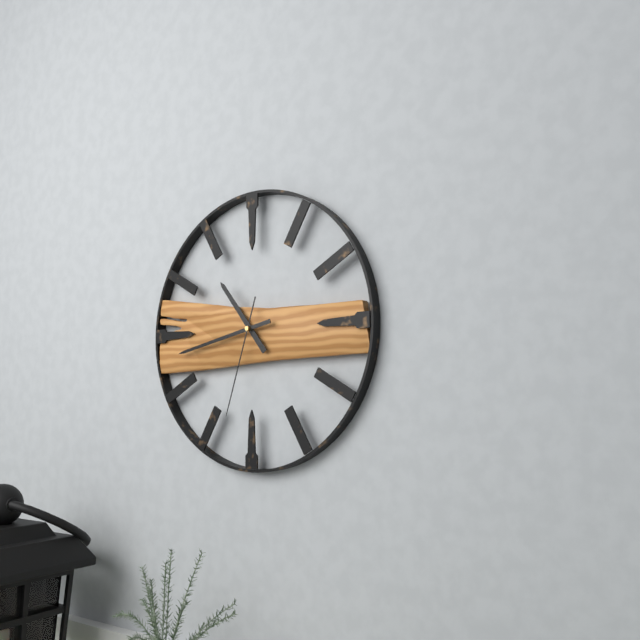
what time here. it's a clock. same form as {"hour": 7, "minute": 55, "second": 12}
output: {"hour": 10, "minute": 43, "second": 33}
